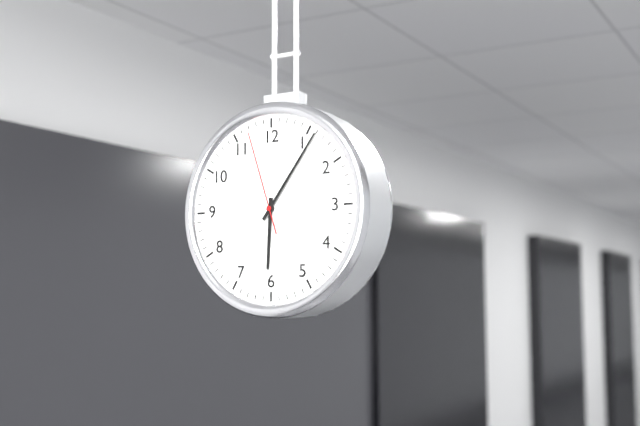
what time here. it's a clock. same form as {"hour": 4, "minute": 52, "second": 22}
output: {"hour": 6, "minute": 6, "second": 57}
